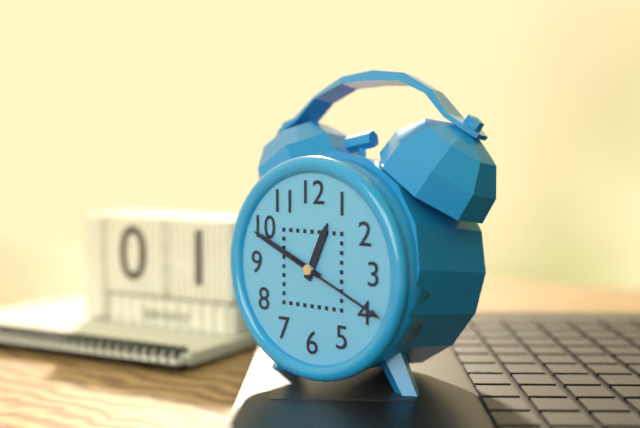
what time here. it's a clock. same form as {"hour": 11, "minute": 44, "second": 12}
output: {"hour": 12, "minute": 49, "second": 19}
